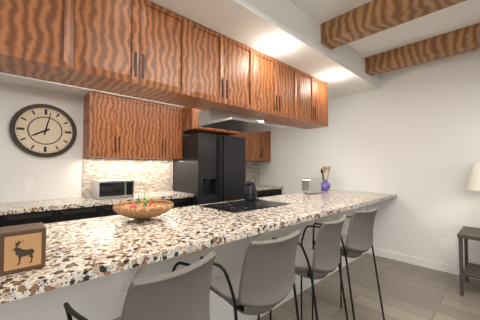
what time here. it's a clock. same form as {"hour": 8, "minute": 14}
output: {"hour": 8, "minute": 2}
